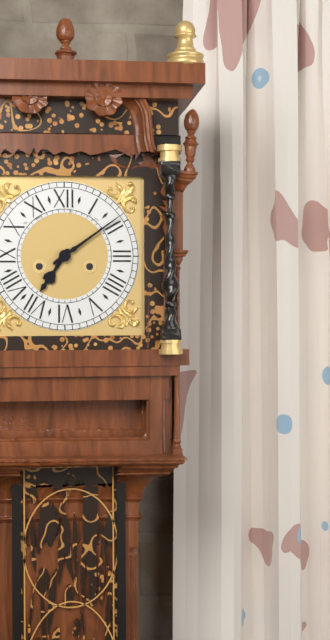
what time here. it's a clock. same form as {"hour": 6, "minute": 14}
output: {"hour": 7, "minute": 9}
